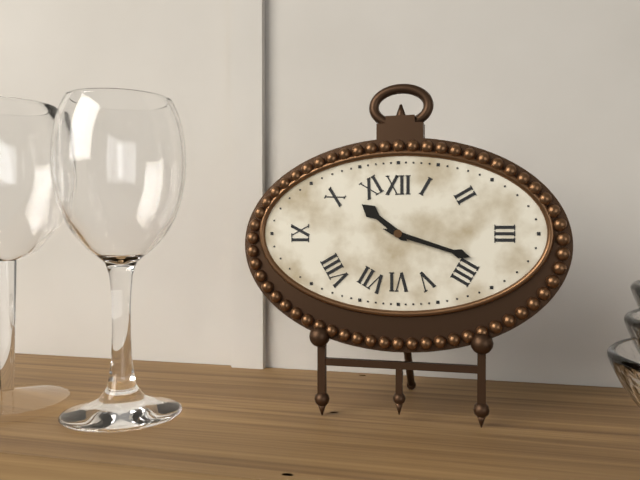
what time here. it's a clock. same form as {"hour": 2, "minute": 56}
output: {"hour": 10, "minute": 18}
